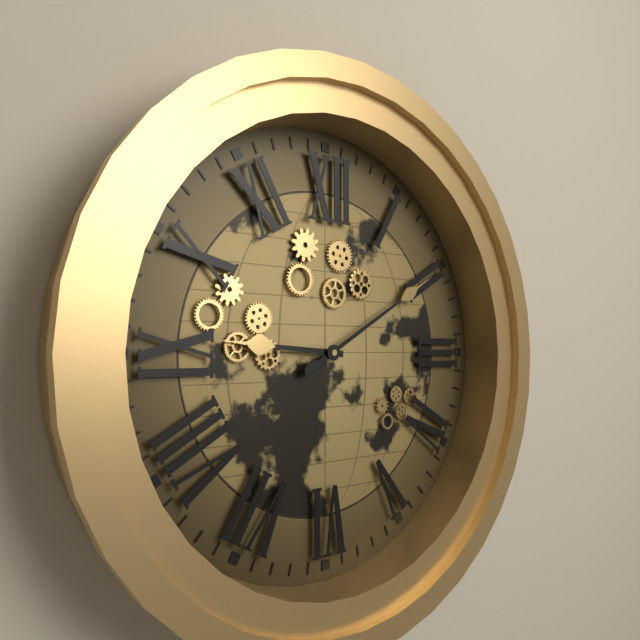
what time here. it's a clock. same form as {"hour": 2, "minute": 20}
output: {"hour": 9, "minute": 10}
